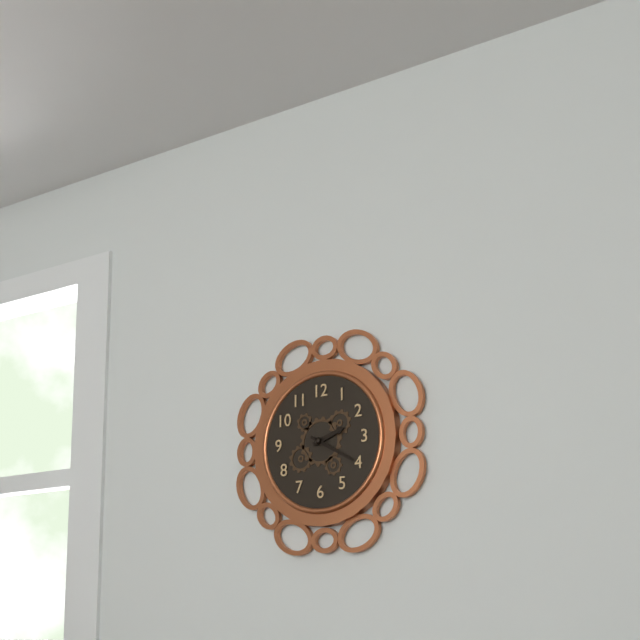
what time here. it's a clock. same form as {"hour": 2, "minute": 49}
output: {"hour": 2, "minute": 20}
